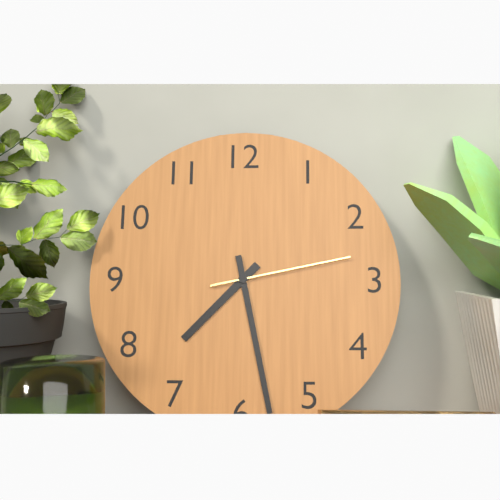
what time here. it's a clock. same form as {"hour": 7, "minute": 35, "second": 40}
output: {"hour": 7, "minute": 28, "second": 13}
